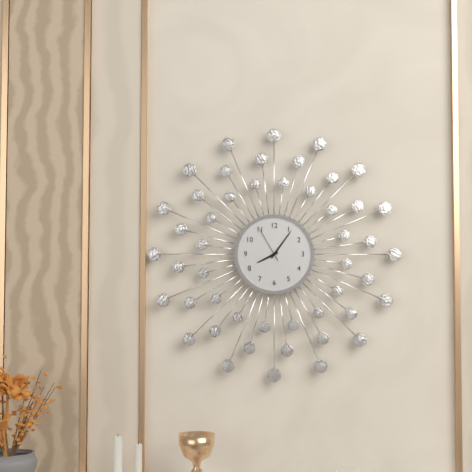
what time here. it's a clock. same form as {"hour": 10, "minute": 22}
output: {"hour": 8, "minute": 6}
